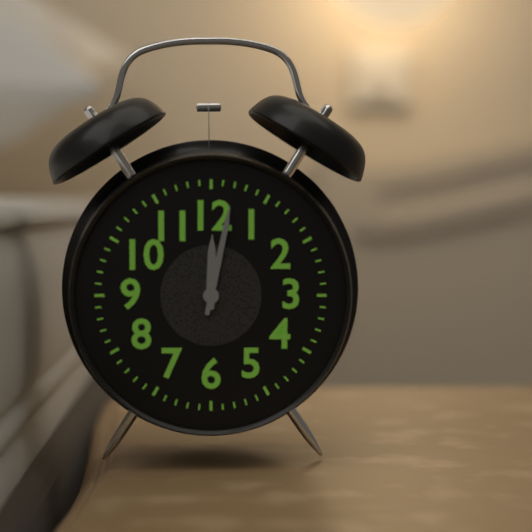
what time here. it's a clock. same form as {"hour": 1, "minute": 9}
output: {"hour": 12, "minute": 2}
